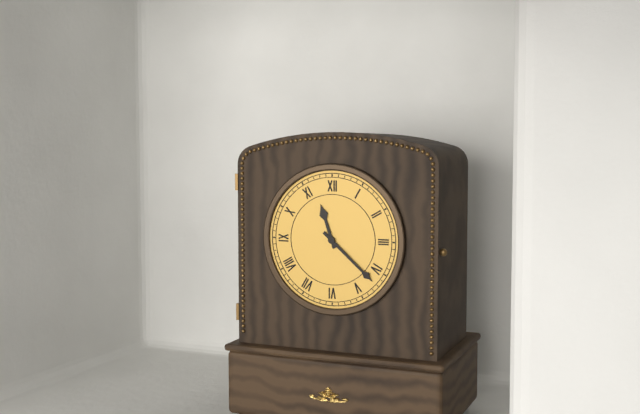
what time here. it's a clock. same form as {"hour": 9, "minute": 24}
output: {"hour": 11, "minute": 22}
